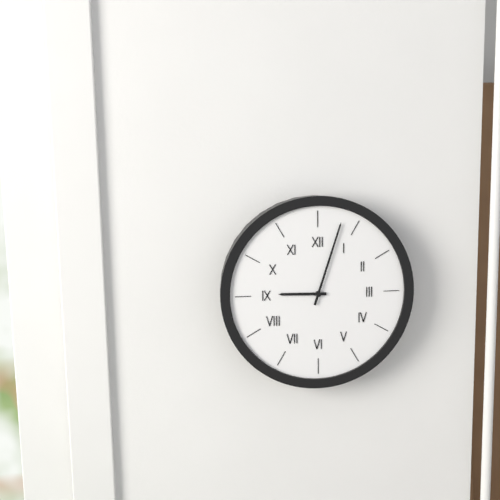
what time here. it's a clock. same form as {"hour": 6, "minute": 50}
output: {"hour": 9, "minute": 3}
